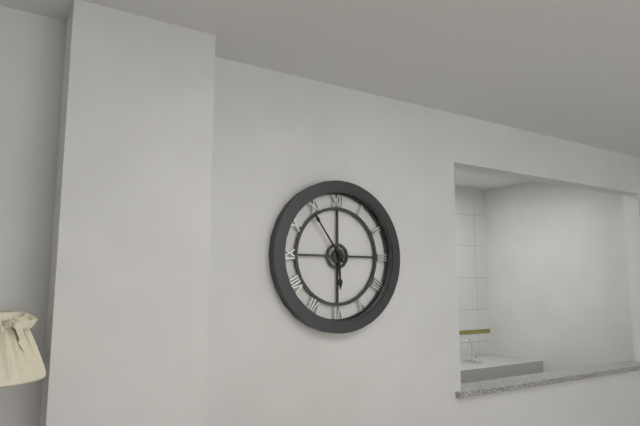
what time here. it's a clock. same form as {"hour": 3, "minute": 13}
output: {"hour": 5, "minute": 54}
